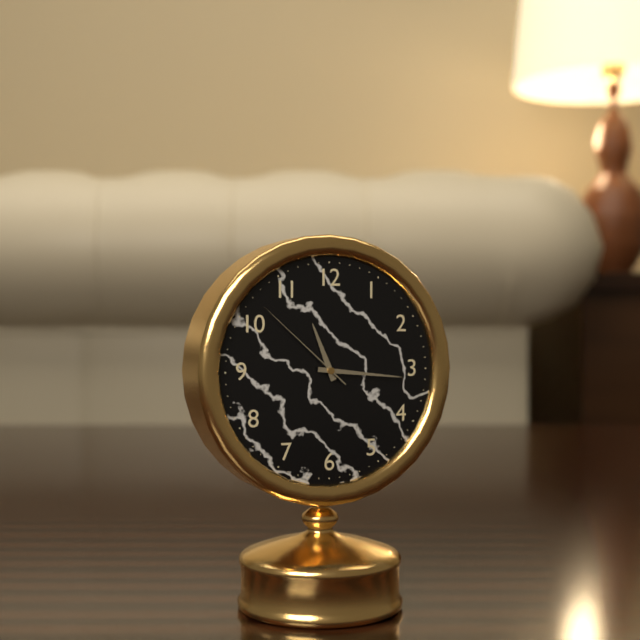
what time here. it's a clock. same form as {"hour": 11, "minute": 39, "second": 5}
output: {"hour": 11, "minute": 16, "second": 52}
